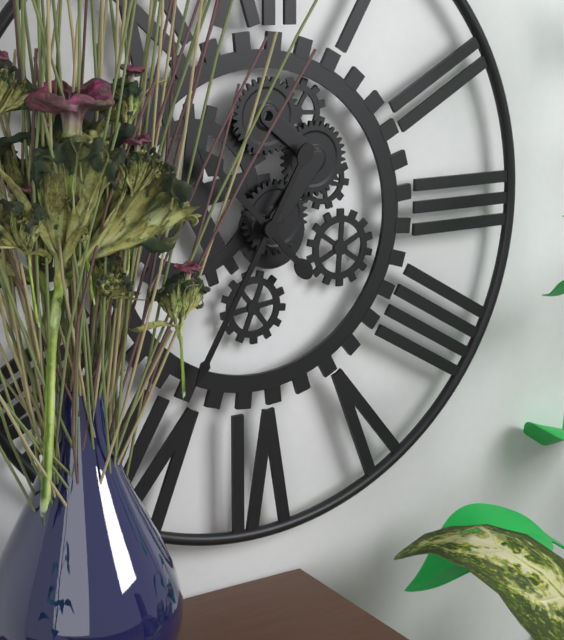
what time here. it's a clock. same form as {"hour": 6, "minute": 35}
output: {"hour": 10, "minute": 35}
